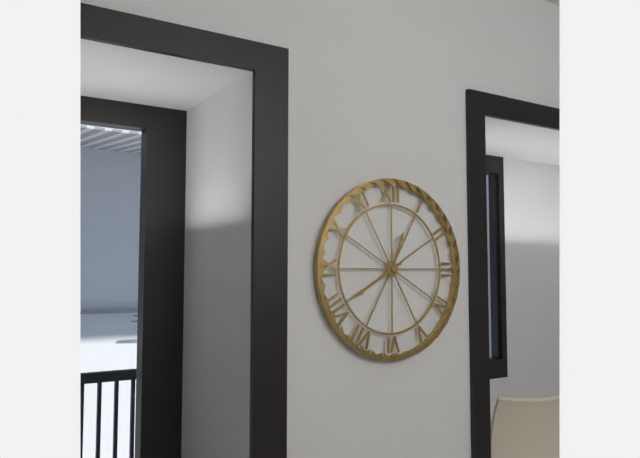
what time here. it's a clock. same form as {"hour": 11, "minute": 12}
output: {"hour": 12, "minute": 40}
